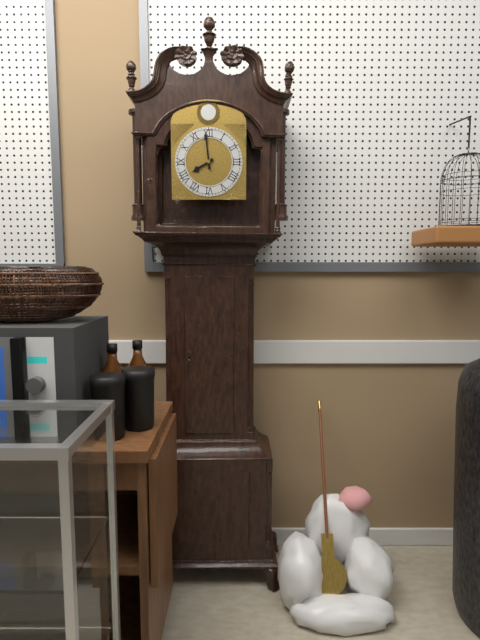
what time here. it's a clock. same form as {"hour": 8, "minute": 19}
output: {"hour": 7, "minute": 59}
